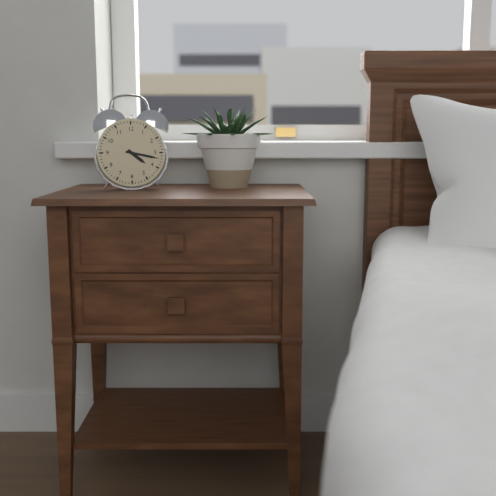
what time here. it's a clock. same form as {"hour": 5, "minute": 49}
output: {"hour": 4, "minute": 17}
